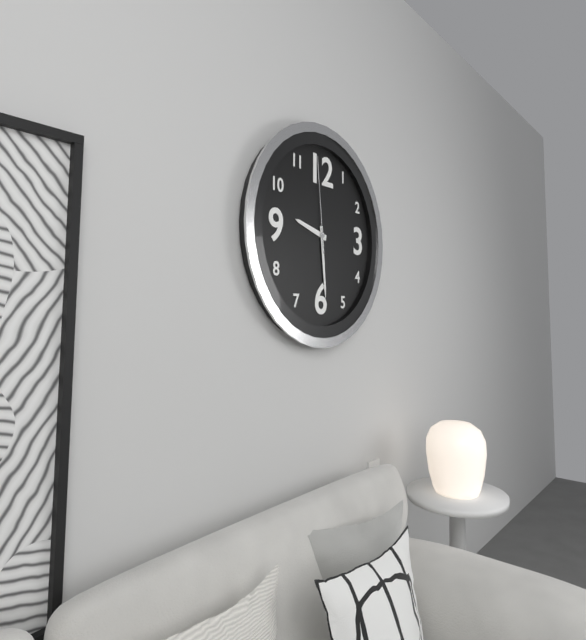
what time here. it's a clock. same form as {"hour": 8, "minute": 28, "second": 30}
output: {"hour": 9, "minute": 29, "second": 59}
